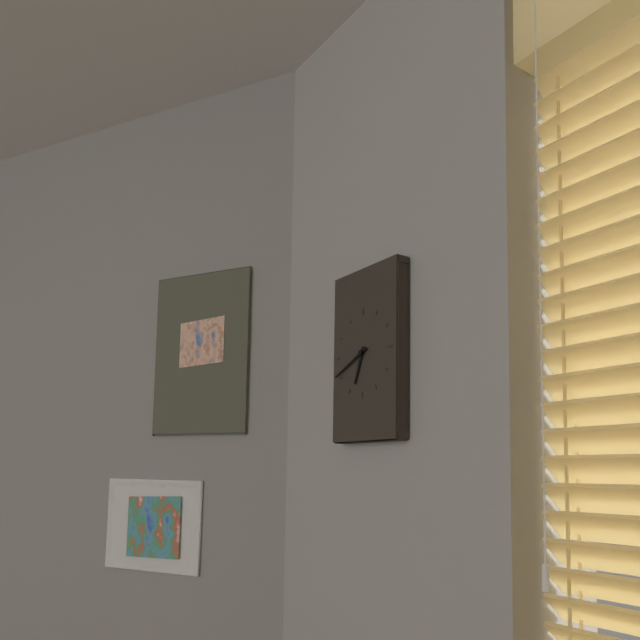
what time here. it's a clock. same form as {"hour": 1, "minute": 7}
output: {"hour": 6, "minute": 41}
